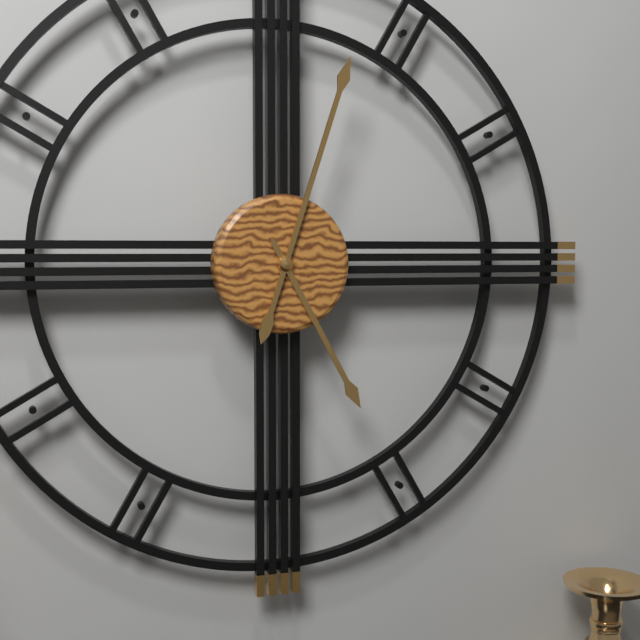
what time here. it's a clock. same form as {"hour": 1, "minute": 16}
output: {"hour": 5, "minute": 3}
